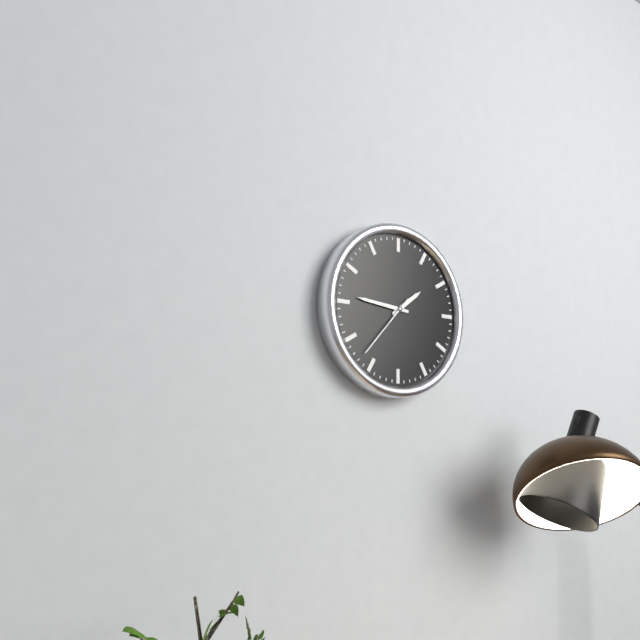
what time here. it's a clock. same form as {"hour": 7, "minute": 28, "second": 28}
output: {"hour": 1, "minute": 46, "second": 37}
